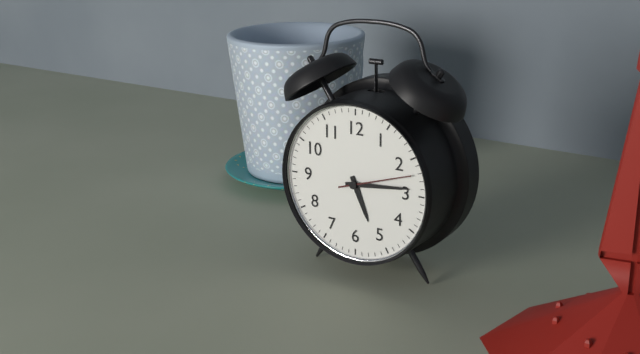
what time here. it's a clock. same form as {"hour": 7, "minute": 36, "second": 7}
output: {"hour": 5, "minute": 14, "second": 12}
